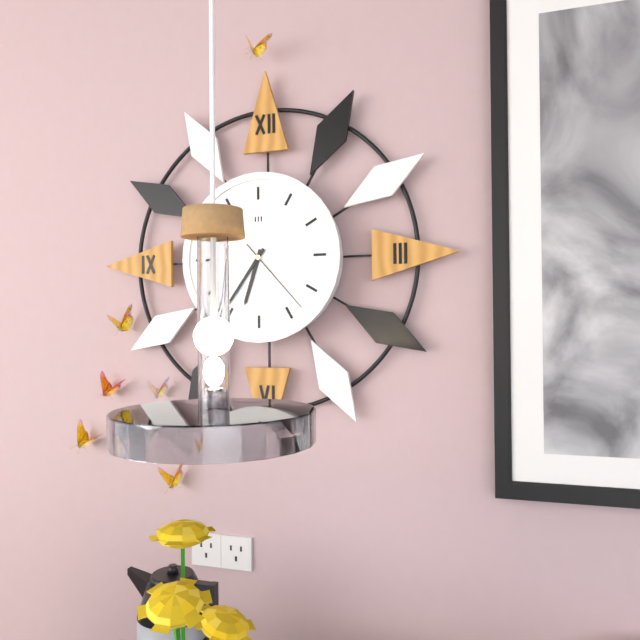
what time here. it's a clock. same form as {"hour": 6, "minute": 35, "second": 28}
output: {"hour": 6, "minute": 36, "second": 23}
